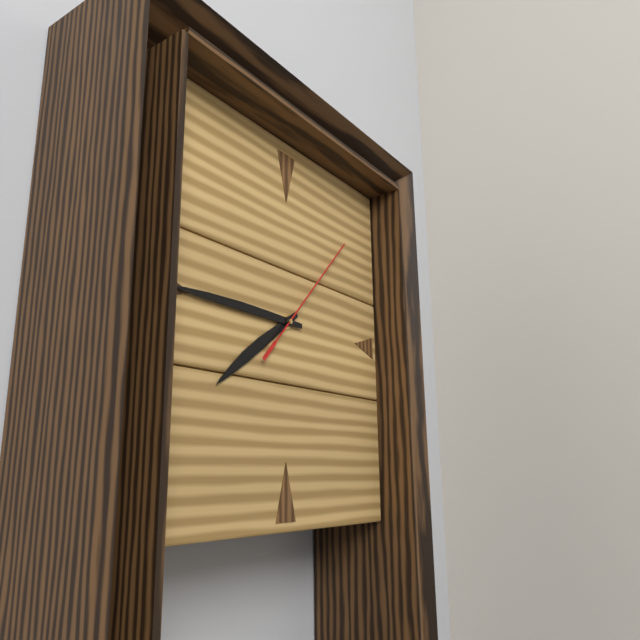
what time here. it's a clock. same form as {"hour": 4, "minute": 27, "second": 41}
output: {"hour": 7, "minute": 45, "second": 7}
